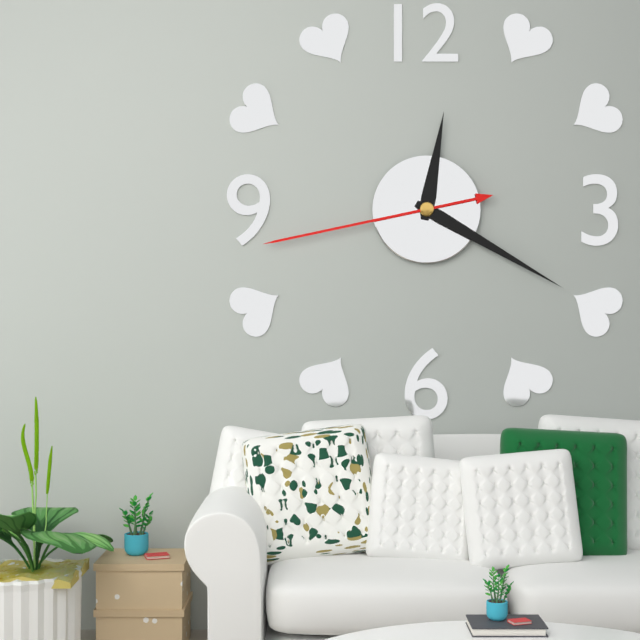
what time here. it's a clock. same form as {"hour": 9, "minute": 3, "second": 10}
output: {"hour": 12, "minute": 20, "second": 43}
